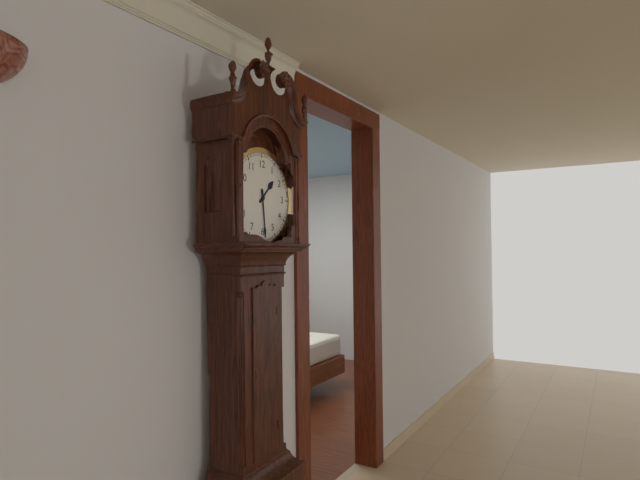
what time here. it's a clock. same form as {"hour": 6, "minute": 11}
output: {"hour": 1, "minute": 29}
